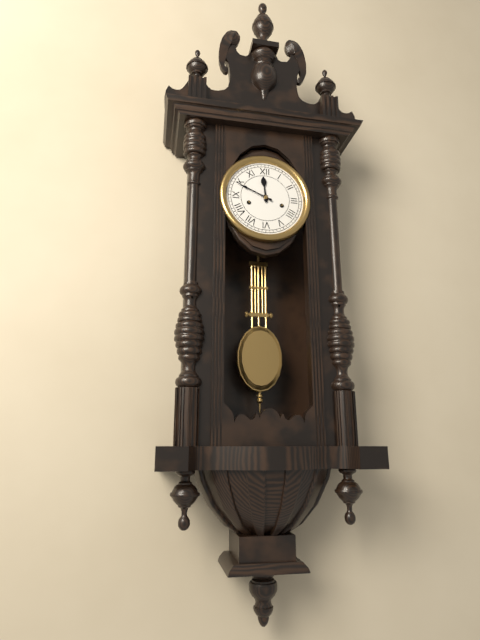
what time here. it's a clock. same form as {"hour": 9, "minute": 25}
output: {"hour": 11, "minute": 49}
